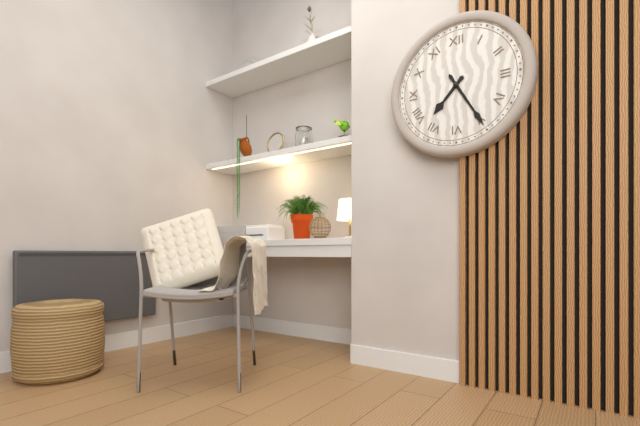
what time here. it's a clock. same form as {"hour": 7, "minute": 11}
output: {"hour": 7, "minute": 25}
